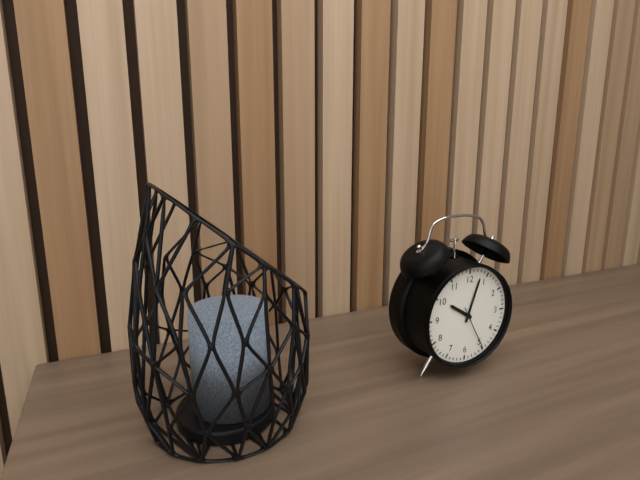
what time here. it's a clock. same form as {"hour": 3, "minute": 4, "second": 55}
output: {"hour": 10, "minute": 3, "second": 25}
